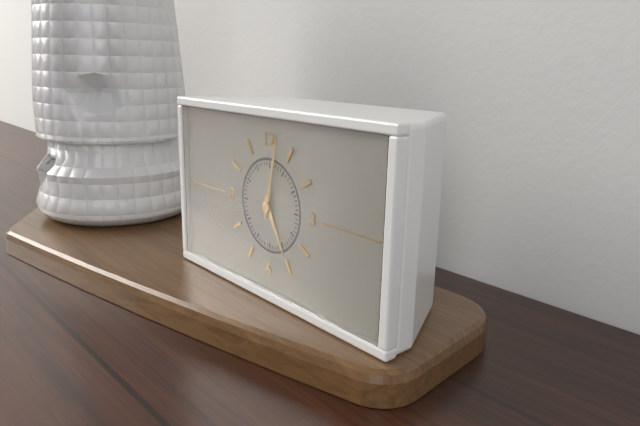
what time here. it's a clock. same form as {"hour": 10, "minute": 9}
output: {"hour": 5, "minute": 2}
